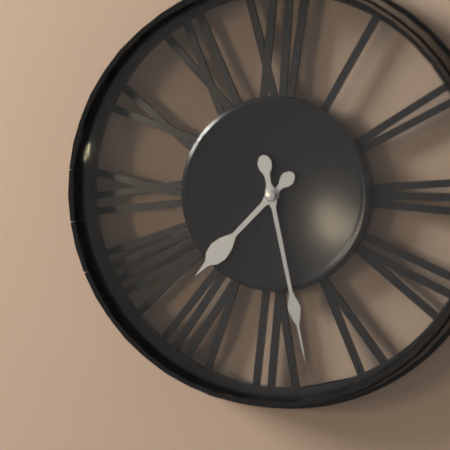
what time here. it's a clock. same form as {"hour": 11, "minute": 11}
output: {"hour": 7, "minute": 28}
